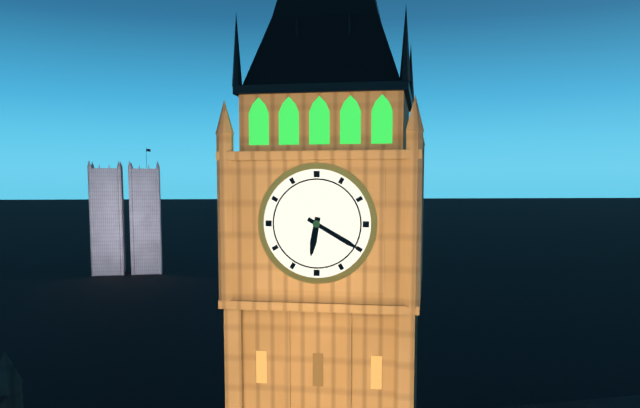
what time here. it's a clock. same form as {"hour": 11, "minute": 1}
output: {"hour": 6, "minute": 20}
